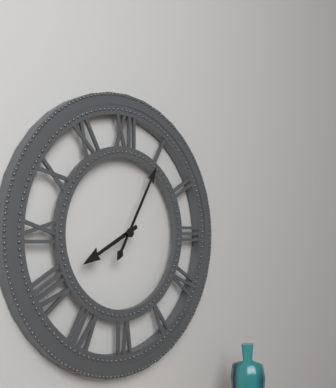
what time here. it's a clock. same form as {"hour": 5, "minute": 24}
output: {"hour": 8, "minute": 5}
